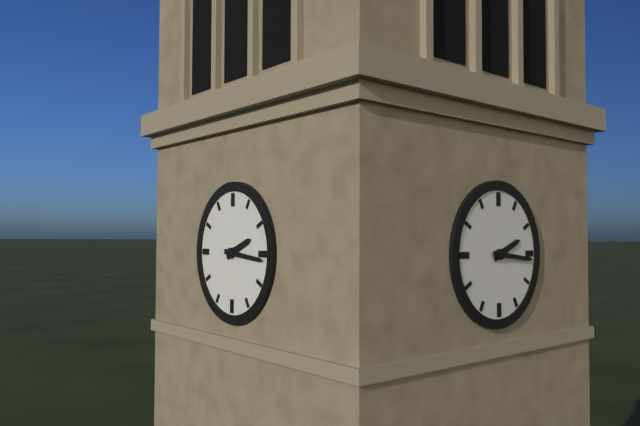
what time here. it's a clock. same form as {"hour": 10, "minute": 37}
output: {"hour": 2, "minute": 16}
